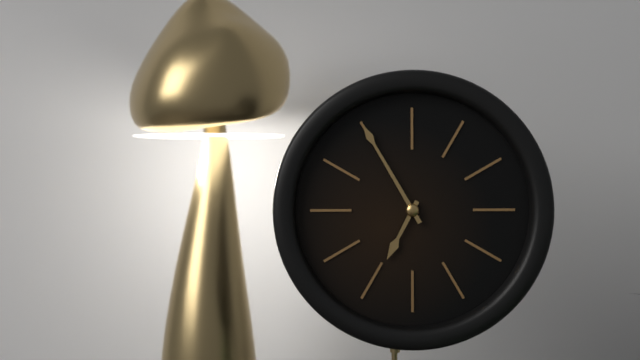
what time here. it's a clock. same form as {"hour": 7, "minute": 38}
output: {"hour": 6, "minute": 55}
